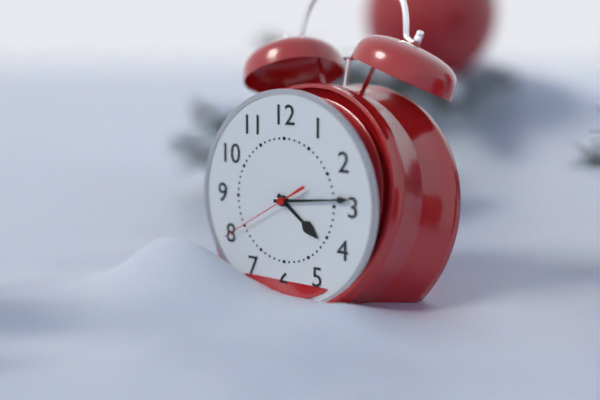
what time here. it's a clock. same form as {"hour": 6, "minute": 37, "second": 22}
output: {"hour": 4, "minute": 14, "second": 40}
